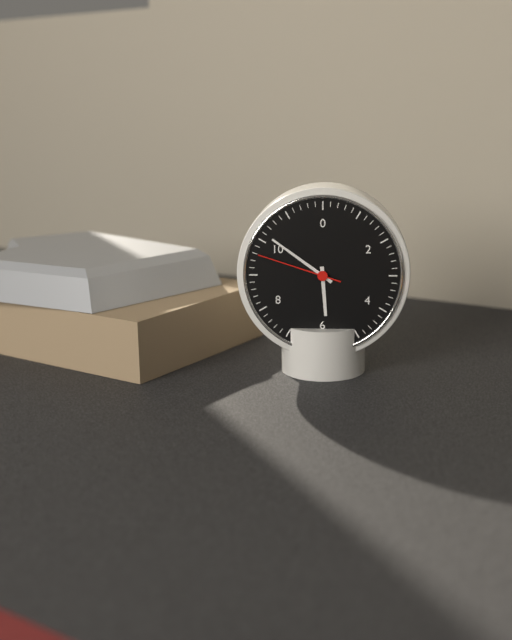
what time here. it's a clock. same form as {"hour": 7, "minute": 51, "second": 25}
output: {"hour": 5, "minute": 51, "second": 48}
